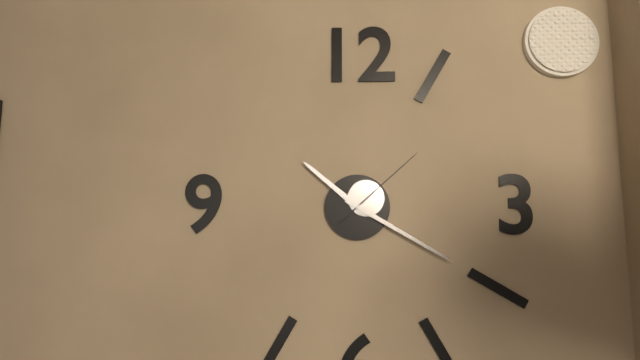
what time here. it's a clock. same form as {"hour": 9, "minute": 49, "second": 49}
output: {"hour": 10, "minute": 20, "second": 8}
